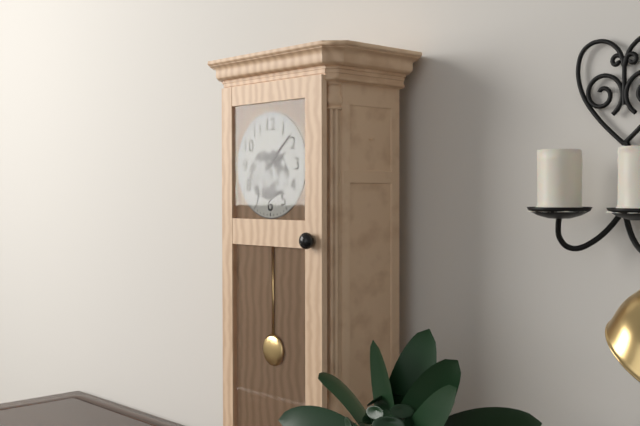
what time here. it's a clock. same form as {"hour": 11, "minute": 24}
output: {"hour": 2, "minute": 8}
